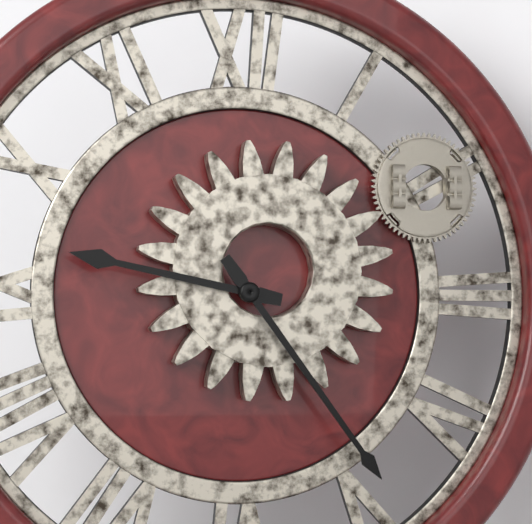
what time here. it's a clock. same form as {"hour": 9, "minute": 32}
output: {"hour": 9, "minute": 24}
